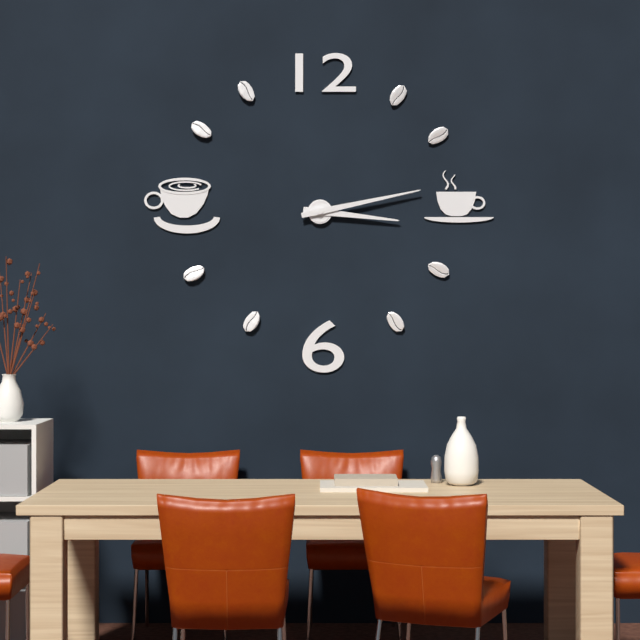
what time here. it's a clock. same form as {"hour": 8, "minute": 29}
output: {"hour": 3, "minute": 13}
